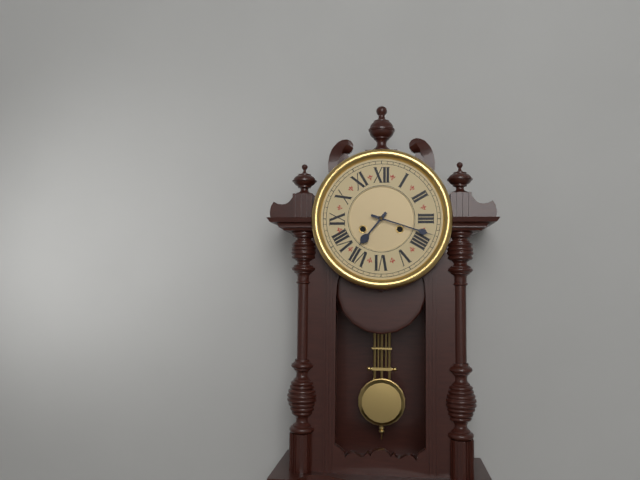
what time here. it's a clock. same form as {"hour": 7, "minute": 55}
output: {"hour": 7, "minute": 18}
